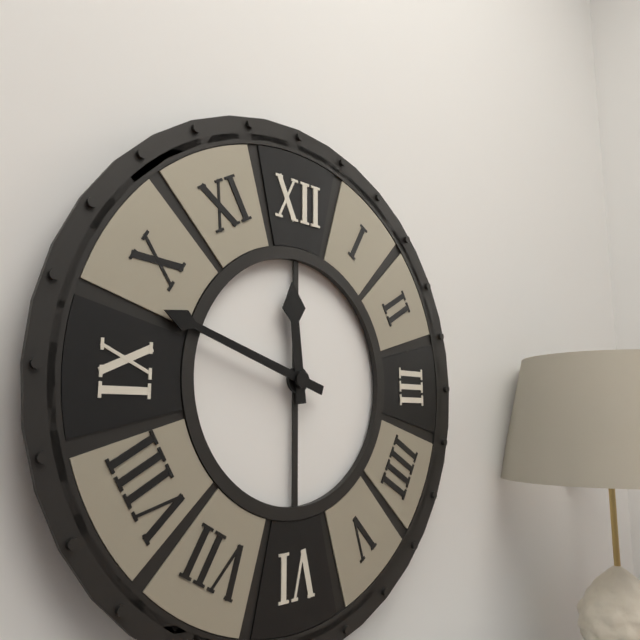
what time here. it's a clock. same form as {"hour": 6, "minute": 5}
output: {"hour": 11, "minute": 48}
